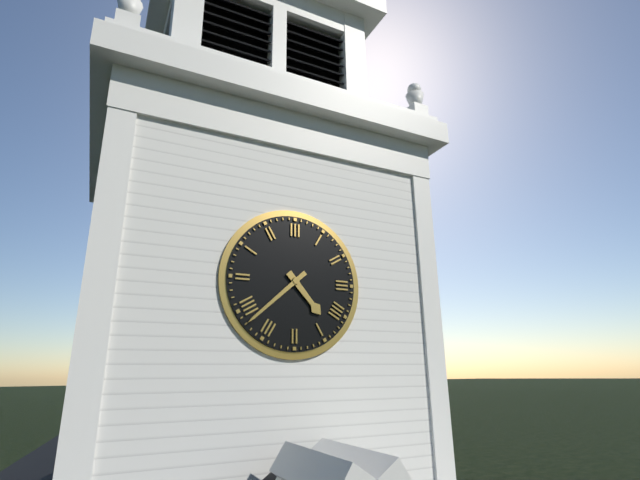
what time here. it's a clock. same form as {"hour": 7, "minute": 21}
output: {"hour": 4, "minute": 38}
